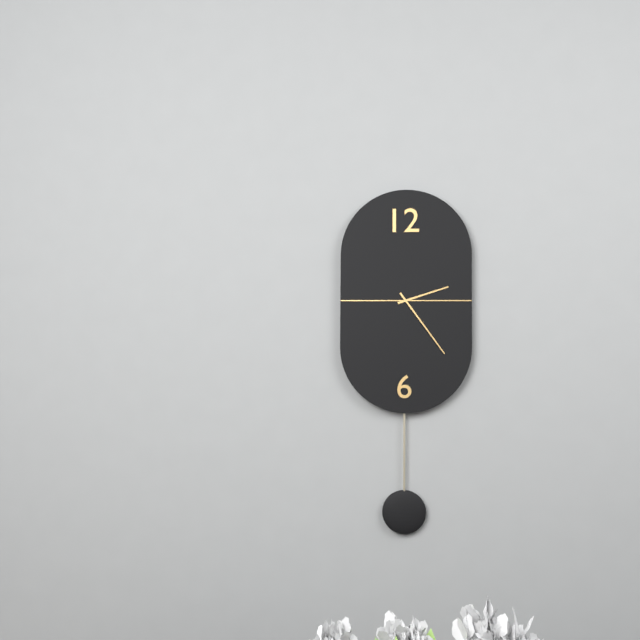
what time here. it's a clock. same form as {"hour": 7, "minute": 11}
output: {"hour": 2, "minute": 24}
